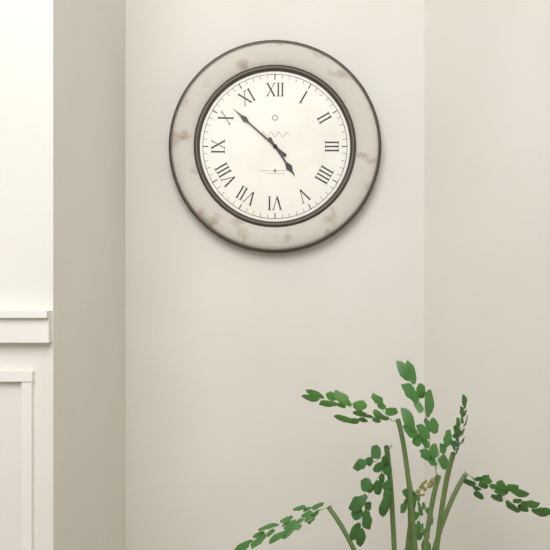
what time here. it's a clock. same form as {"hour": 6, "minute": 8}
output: {"hour": 4, "minute": 52}
